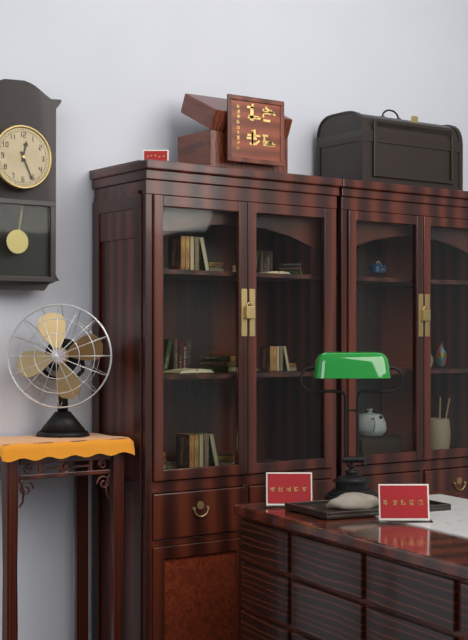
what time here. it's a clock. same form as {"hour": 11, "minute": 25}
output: {"hour": 12, "minute": 26}
